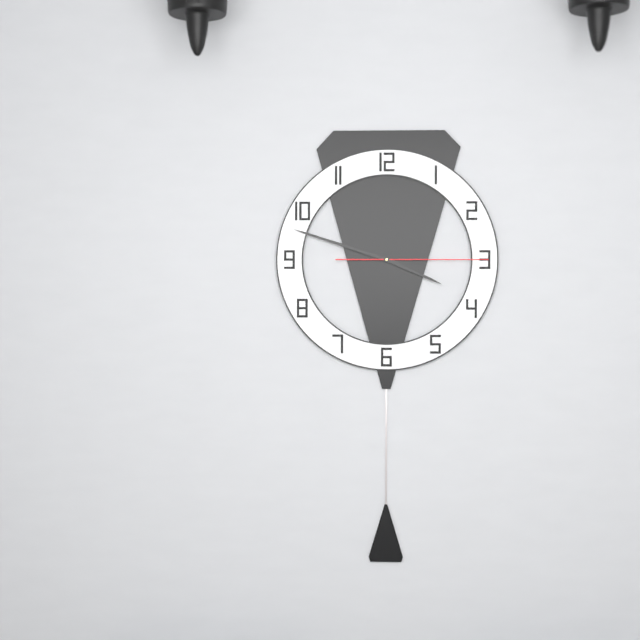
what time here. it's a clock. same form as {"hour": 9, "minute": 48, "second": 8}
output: {"hour": 3, "minute": 48, "second": 15}
